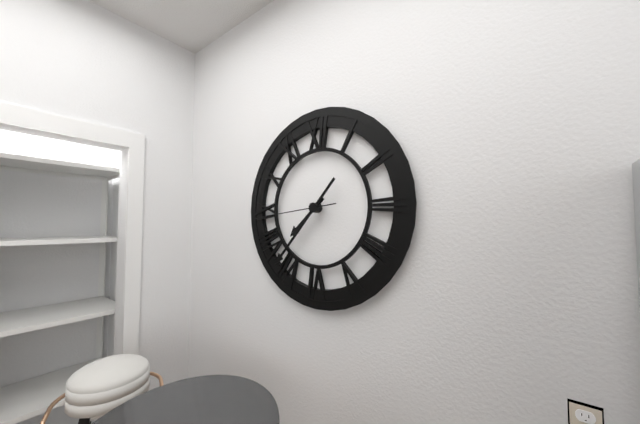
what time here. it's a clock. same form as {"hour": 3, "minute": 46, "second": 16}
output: {"hour": 7, "minute": 37, "second": 44}
